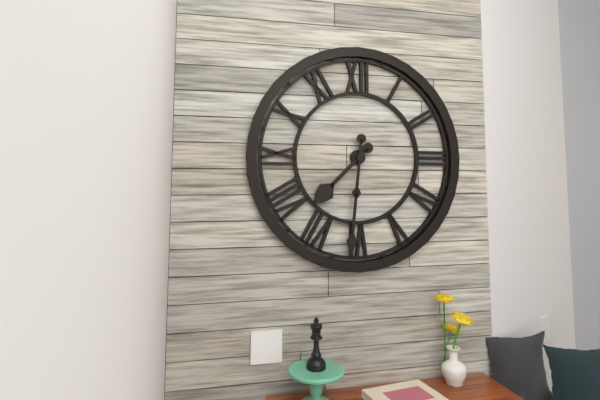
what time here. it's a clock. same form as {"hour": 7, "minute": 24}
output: {"hour": 7, "minute": 31}
